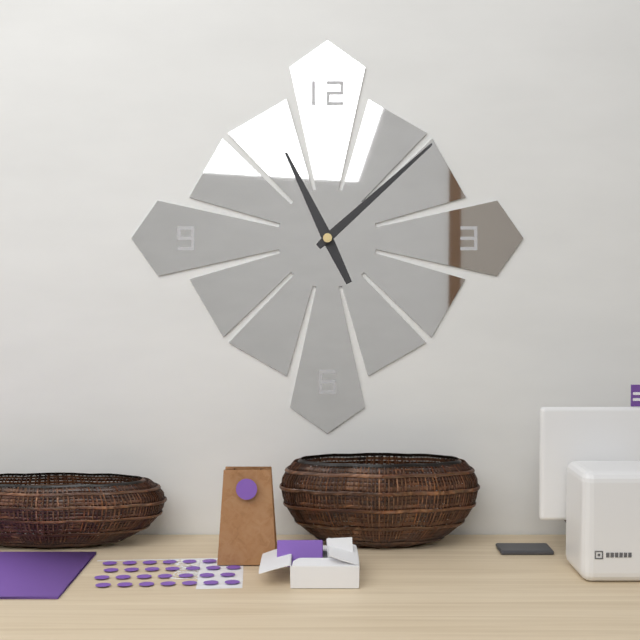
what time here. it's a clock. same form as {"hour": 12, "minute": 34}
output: {"hour": 11, "minute": 8}
